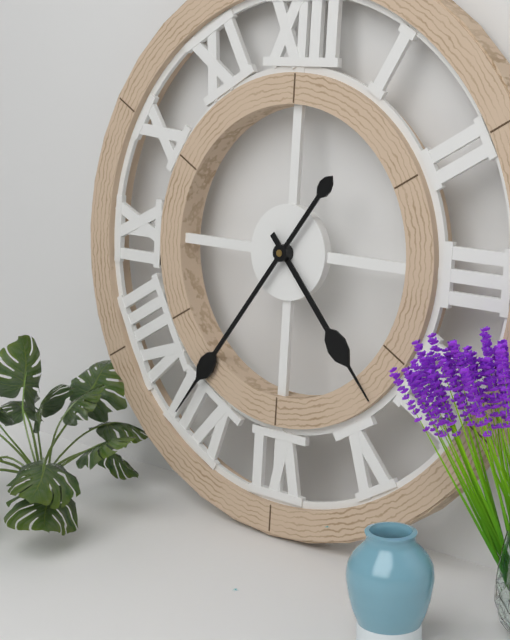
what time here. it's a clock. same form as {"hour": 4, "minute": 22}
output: {"hour": 4, "minute": 36}
